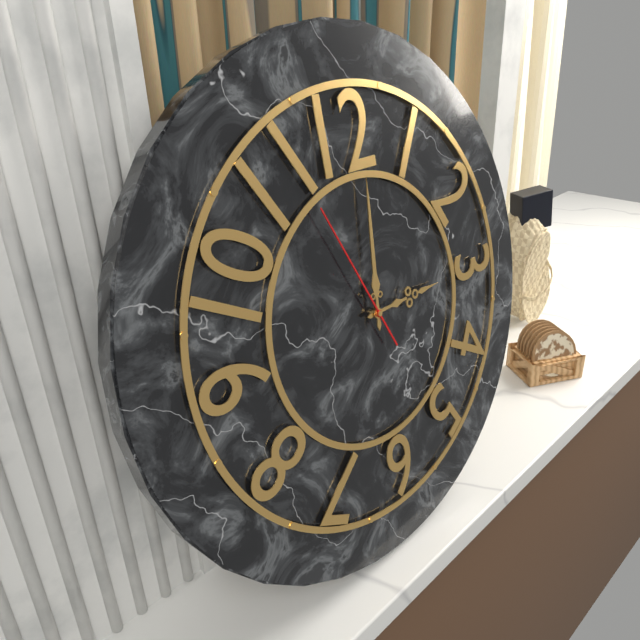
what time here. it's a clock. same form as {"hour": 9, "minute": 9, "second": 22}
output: {"hour": 3, "minute": 1, "second": 56}
